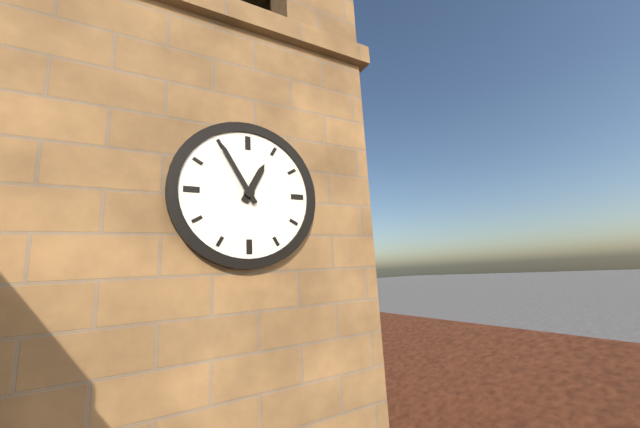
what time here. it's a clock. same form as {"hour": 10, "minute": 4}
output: {"hour": 12, "minute": 55}
